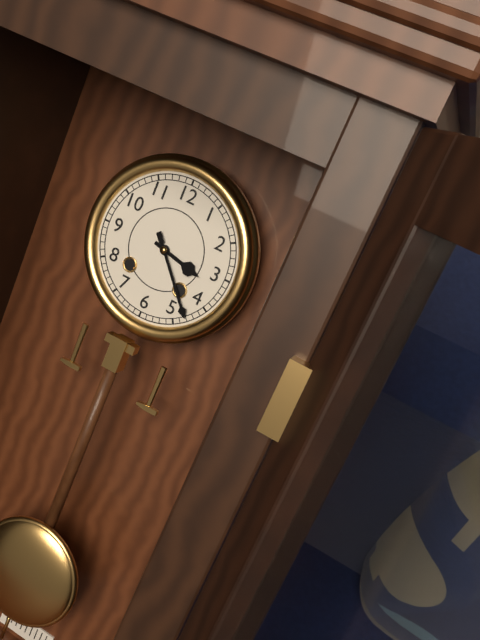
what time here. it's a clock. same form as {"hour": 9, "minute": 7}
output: {"hour": 3, "minute": 23}
